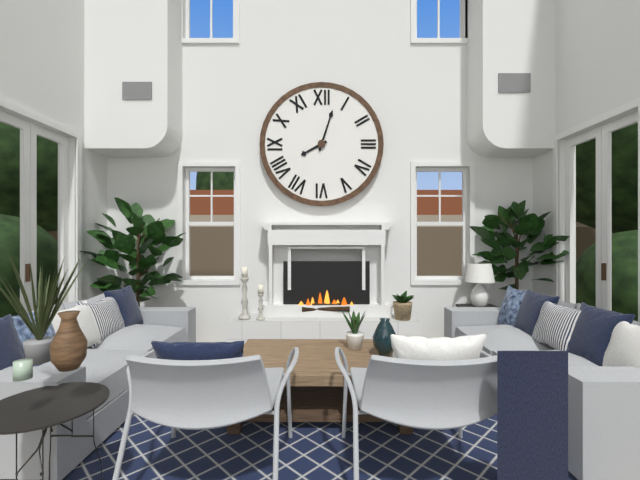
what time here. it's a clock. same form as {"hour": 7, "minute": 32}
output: {"hour": 8, "minute": 3}
